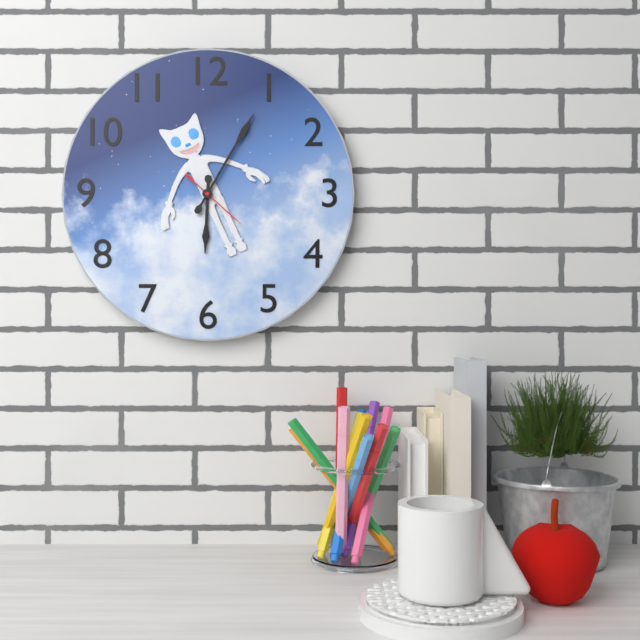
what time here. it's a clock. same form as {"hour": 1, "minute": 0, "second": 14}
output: {"hour": 6, "minute": 5, "second": 22}
